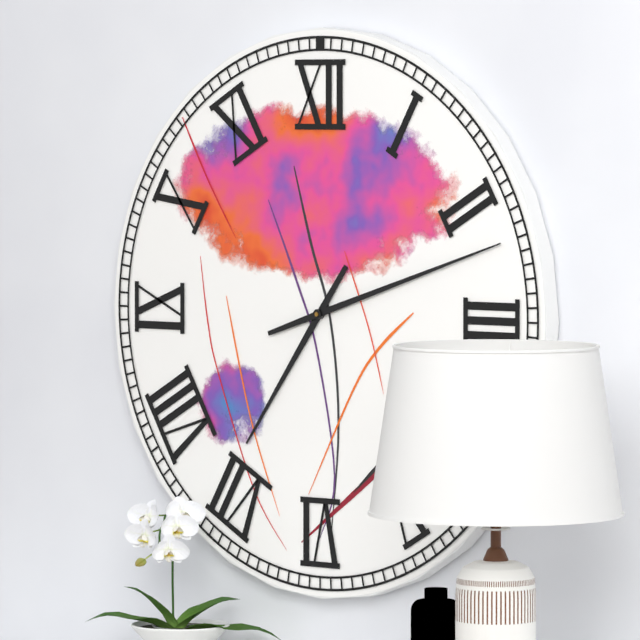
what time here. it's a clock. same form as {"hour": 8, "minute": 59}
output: {"hour": 7, "minute": 12}
